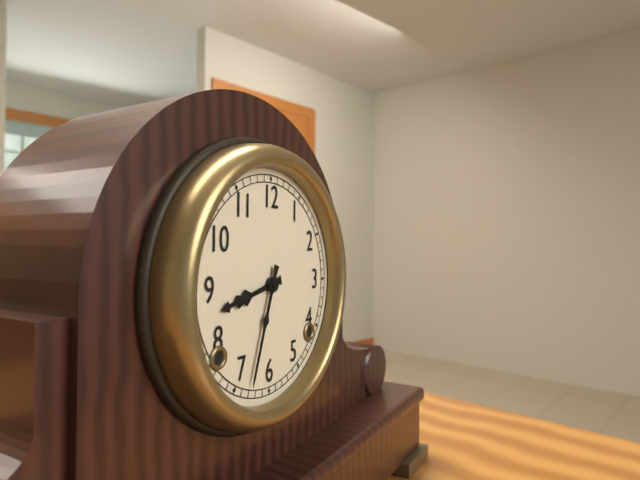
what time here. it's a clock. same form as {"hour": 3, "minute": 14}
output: {"hour": 8, "minute": 33}
